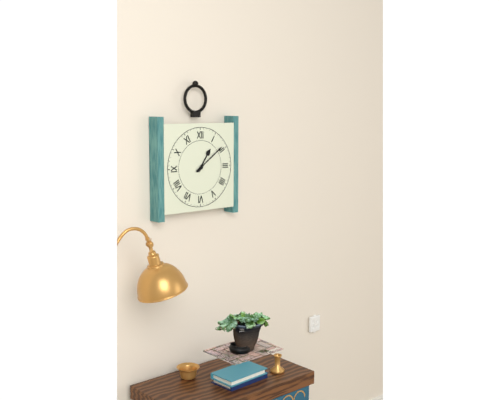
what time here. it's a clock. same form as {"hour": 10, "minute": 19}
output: {"hour": 1, "minute": 9}
